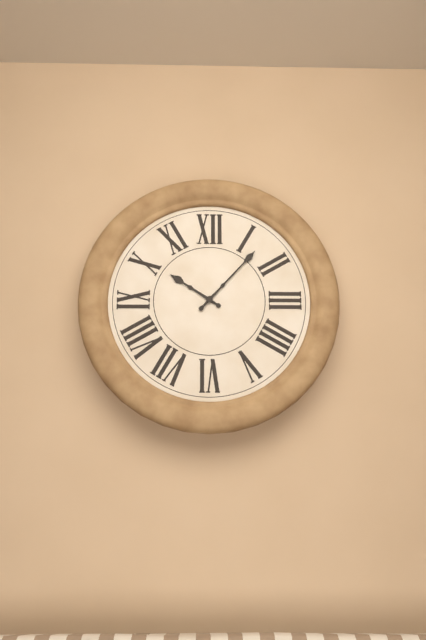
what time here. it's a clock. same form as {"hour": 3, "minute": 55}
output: {"hour": 10, "minute": 7}
